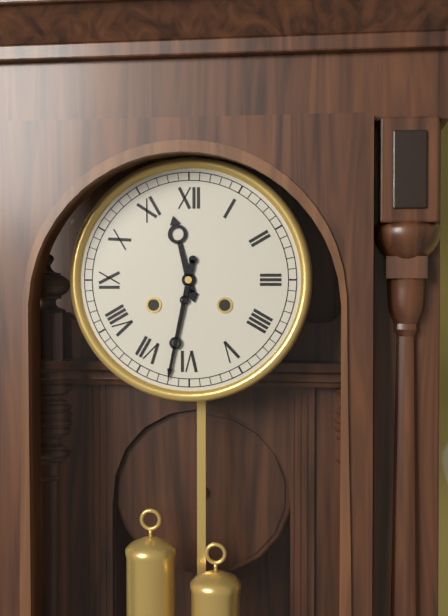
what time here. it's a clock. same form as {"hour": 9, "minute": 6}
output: {"hour": 11, "minute": 32}
